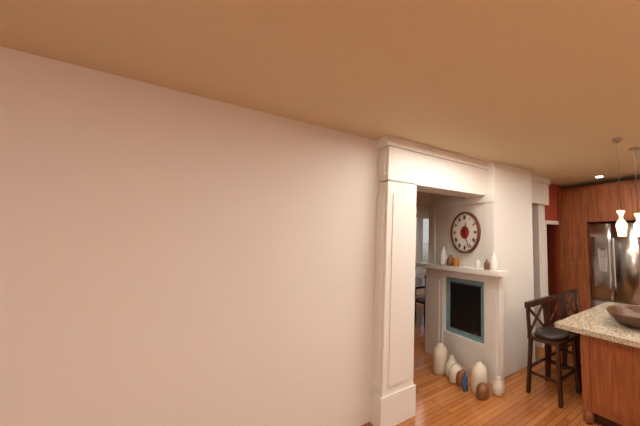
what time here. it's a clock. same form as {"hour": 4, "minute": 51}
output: {"hour": 12, "minute": 26}
